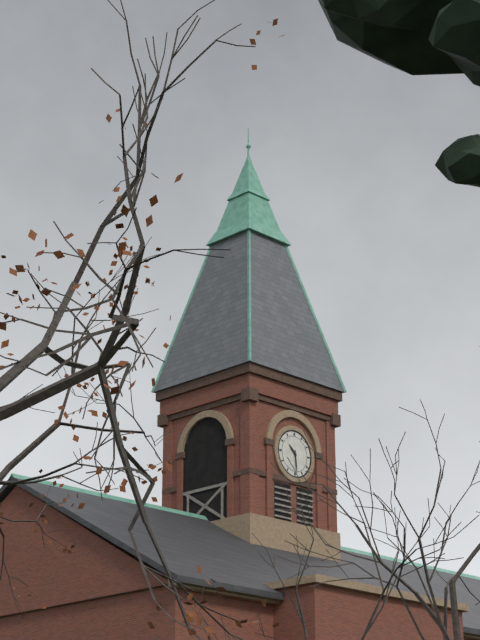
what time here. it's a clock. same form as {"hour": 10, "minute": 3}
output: {"hour": 10, "minute": 29}
